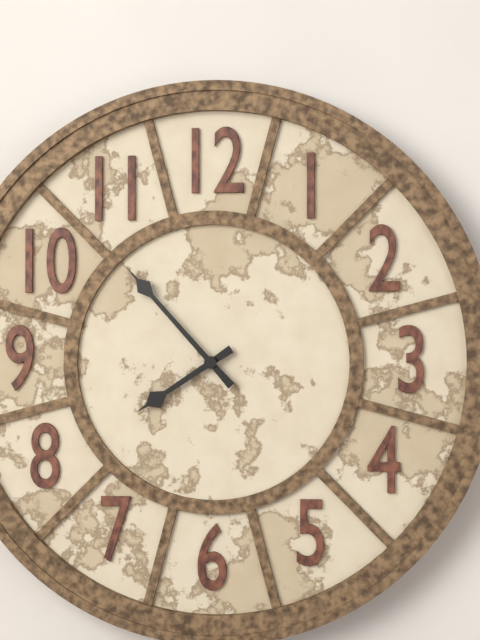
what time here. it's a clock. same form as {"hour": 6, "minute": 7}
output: {"hour": 7, "minute": 53}
